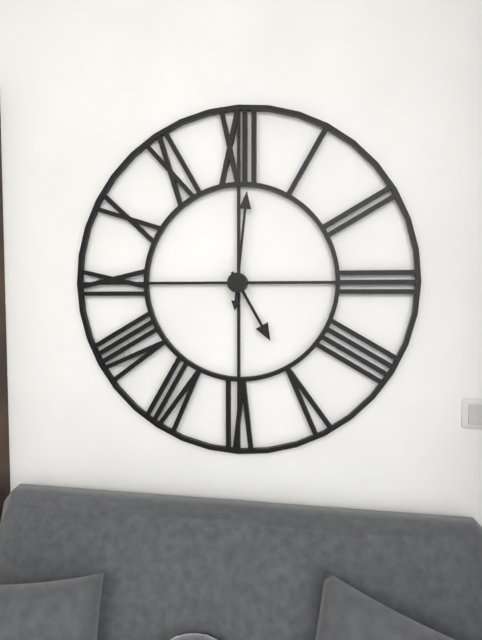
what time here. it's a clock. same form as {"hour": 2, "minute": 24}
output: {"hour": 5, "minute": 1}
